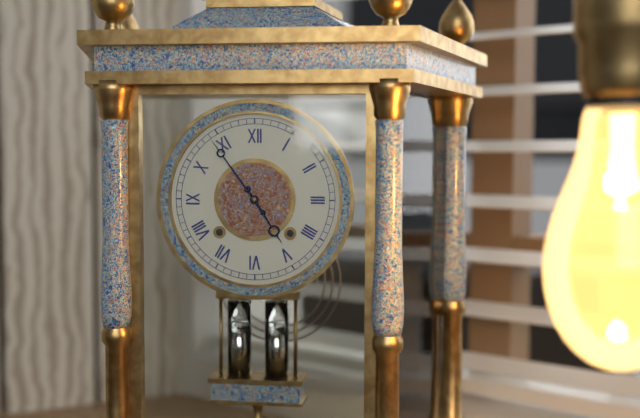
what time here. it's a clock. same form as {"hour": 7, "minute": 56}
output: {"hour": 4, "minute": 54}
